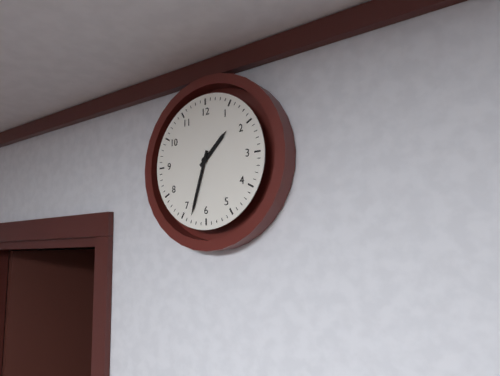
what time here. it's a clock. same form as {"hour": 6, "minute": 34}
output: {"hour": 1, "minute": 33}
